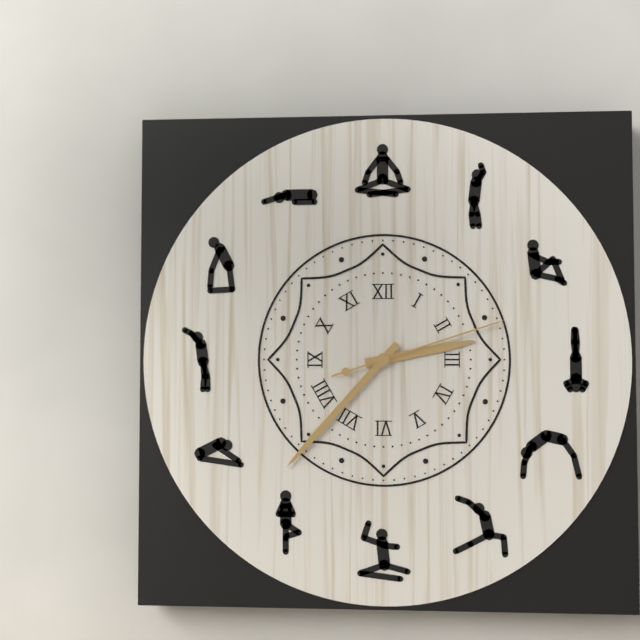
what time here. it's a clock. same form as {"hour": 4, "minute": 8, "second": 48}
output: {"hour": 2, "minute": 37, "second": 12}
